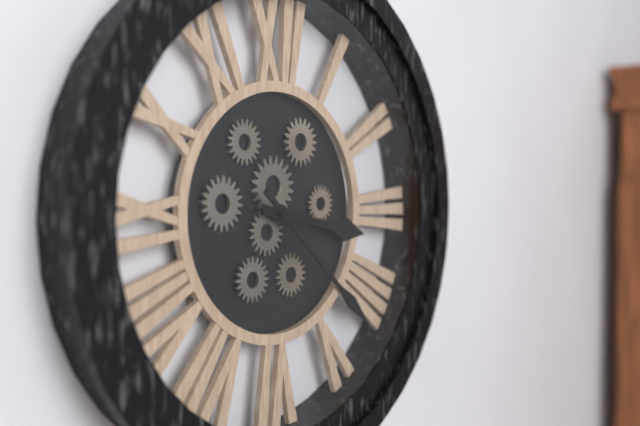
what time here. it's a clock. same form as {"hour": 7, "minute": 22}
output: {"hour": 3, "minute": 22}
